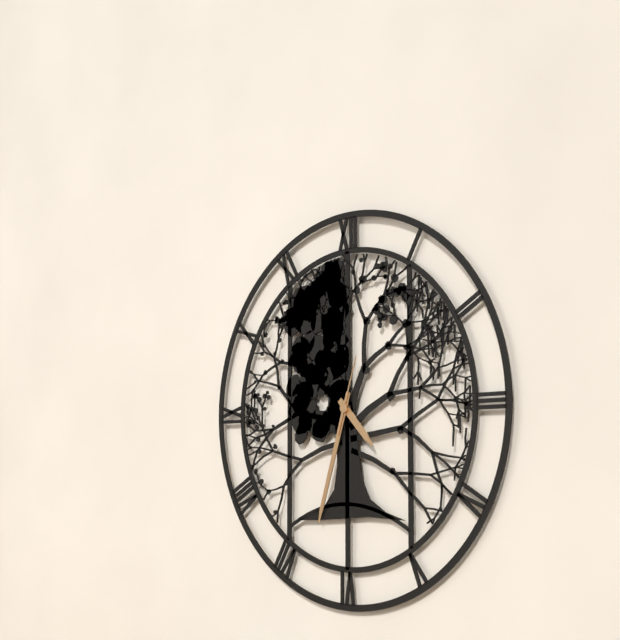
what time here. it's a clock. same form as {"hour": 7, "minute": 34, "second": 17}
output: {"hour": 4, "minute": 33, "second": 3}
